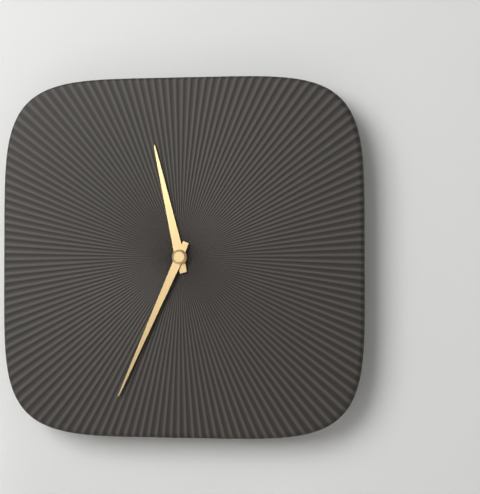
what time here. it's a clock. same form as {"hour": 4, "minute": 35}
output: {"hour": 11, "minute": 34}
